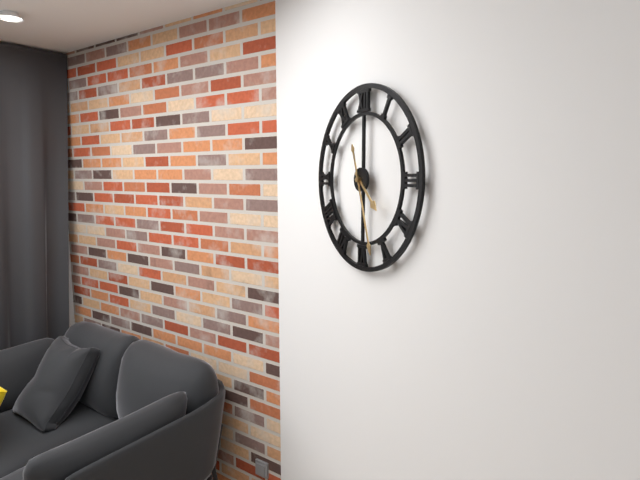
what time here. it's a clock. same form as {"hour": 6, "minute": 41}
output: {"hour": 4, "minute": 27}
